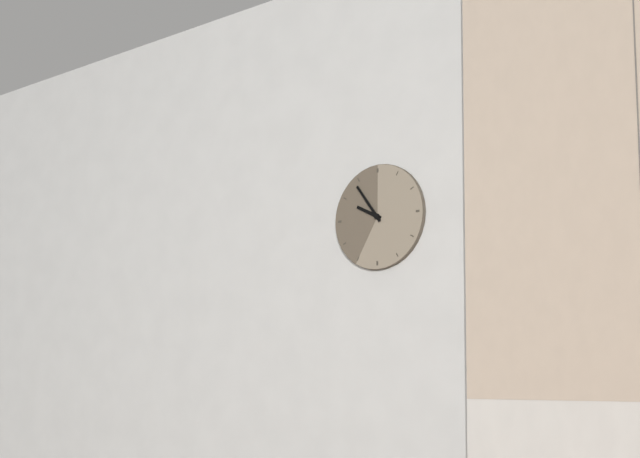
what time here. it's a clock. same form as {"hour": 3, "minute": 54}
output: {"hour": 9, "minute": 54}
